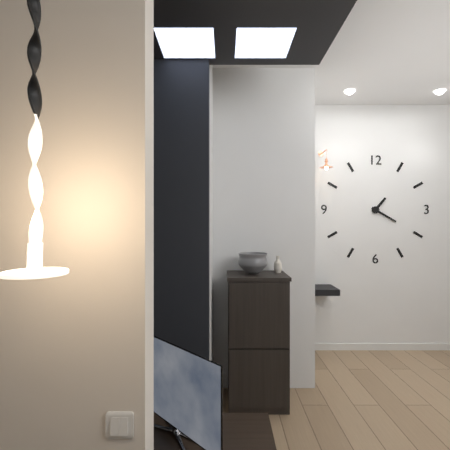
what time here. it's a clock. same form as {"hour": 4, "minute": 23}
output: {"hour": 1, "minute": 20}
